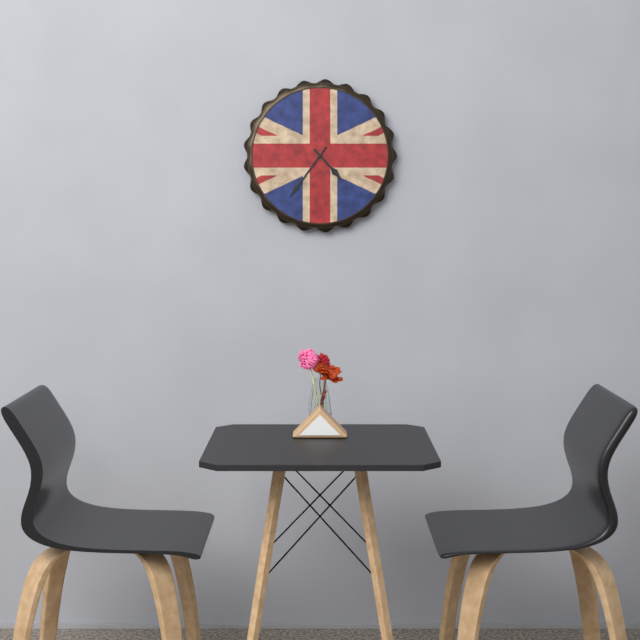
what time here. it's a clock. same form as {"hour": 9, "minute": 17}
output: {"hour": 4, "minute": 36}
